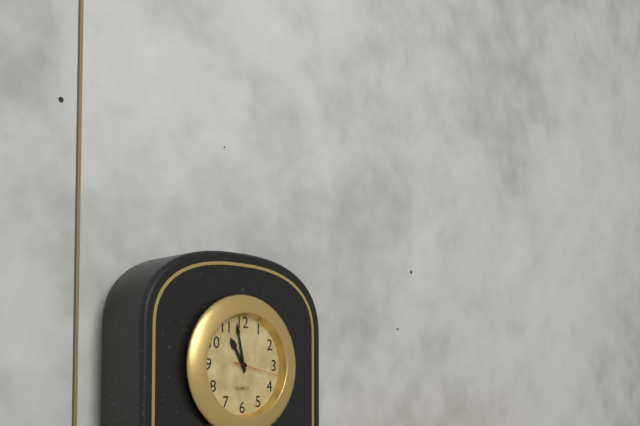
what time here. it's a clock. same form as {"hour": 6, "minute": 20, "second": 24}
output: {"hour": 10, "minute": 58, "second": 17}
